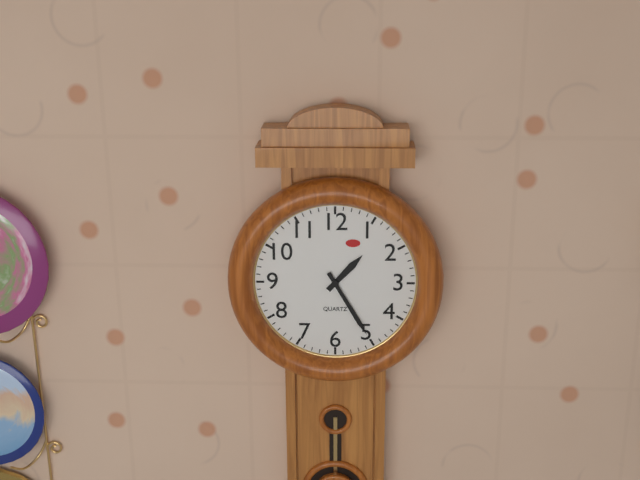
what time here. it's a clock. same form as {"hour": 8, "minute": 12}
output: {"hour": 1, "minute": 25}
